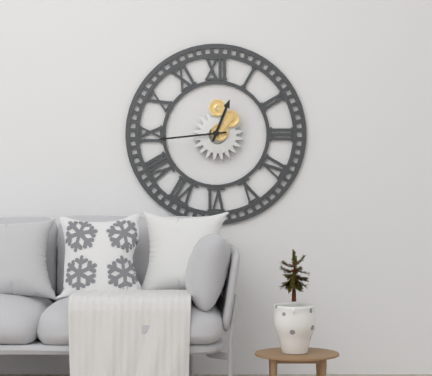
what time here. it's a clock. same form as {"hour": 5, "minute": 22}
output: {"hour": 12, "minute": 44}
